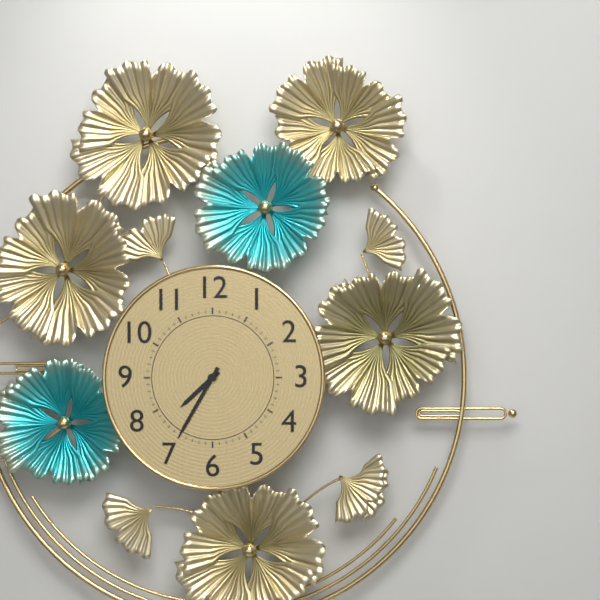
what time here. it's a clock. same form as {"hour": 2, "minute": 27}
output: {"hour": 7, "minute": 35}
